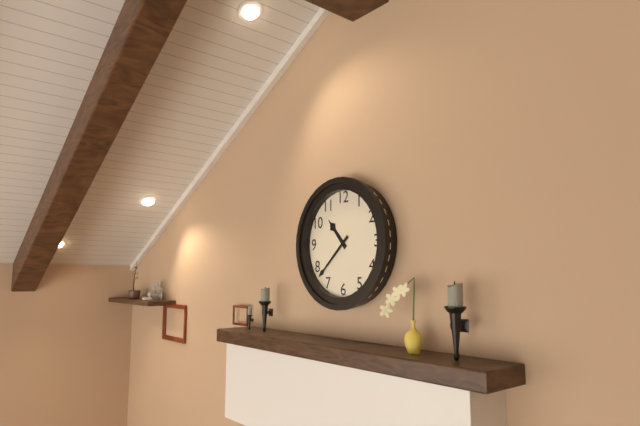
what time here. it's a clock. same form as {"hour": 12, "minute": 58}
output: {"hour": 10, "minute": 38}
